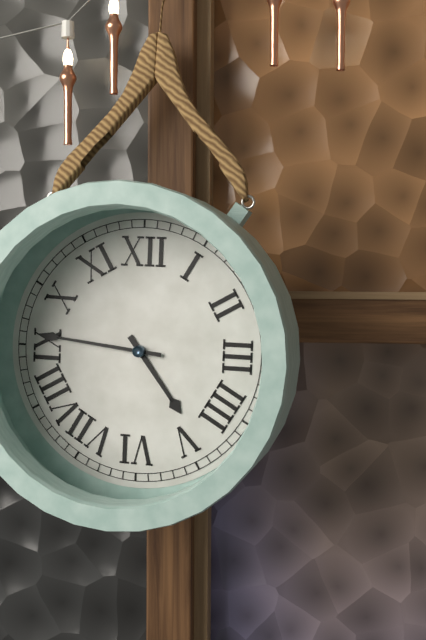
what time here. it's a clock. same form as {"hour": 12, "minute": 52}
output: {"hour": 4, "minute": 46}
